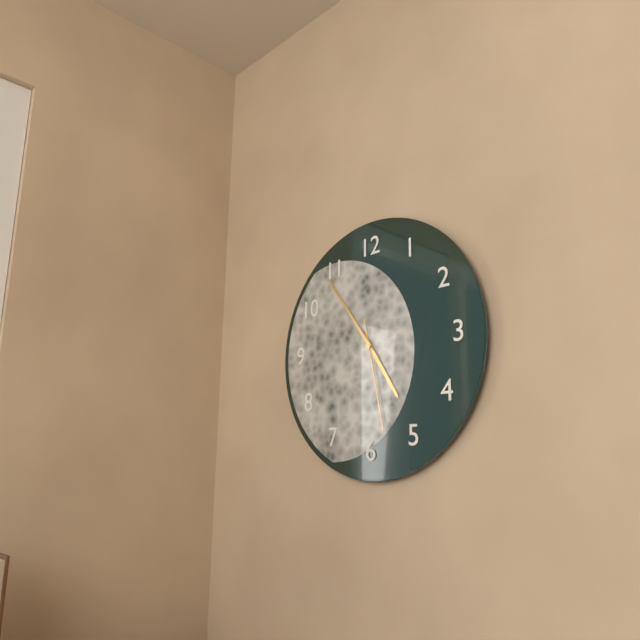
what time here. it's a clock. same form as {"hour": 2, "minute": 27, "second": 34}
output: {"hour": 4, "minute": 54, "second": 28}
